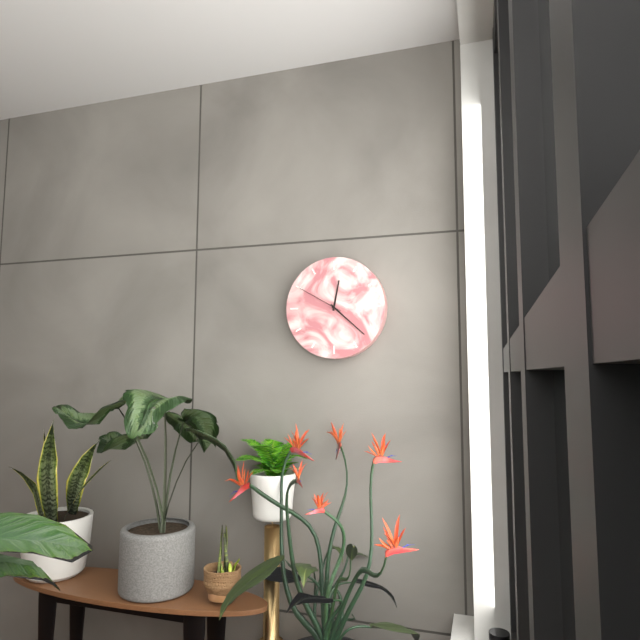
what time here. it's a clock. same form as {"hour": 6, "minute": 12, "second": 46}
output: {"hour": 12, "minute": 22, "second": 50}
